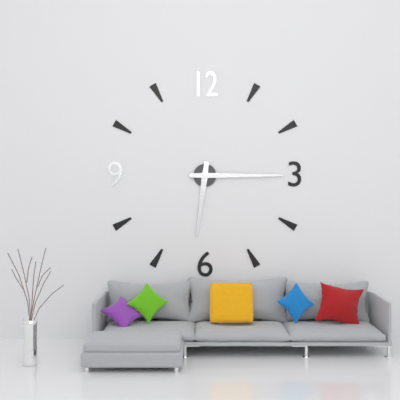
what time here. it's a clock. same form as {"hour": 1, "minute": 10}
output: {"hour": 6, "minute": 15}
